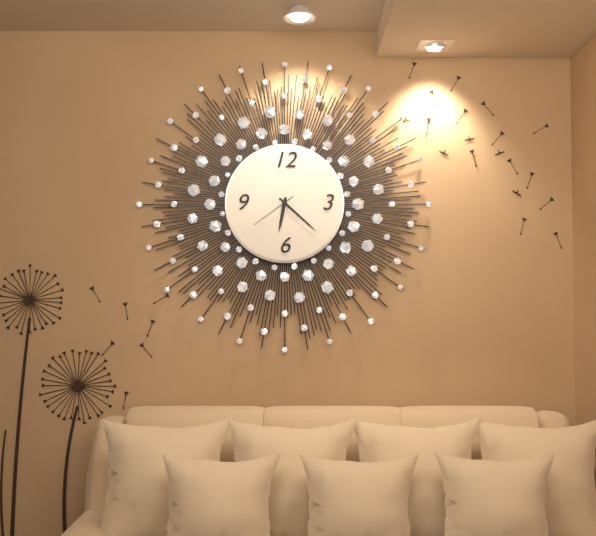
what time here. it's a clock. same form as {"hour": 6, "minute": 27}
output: {"hour": 6, "minute": 22}
